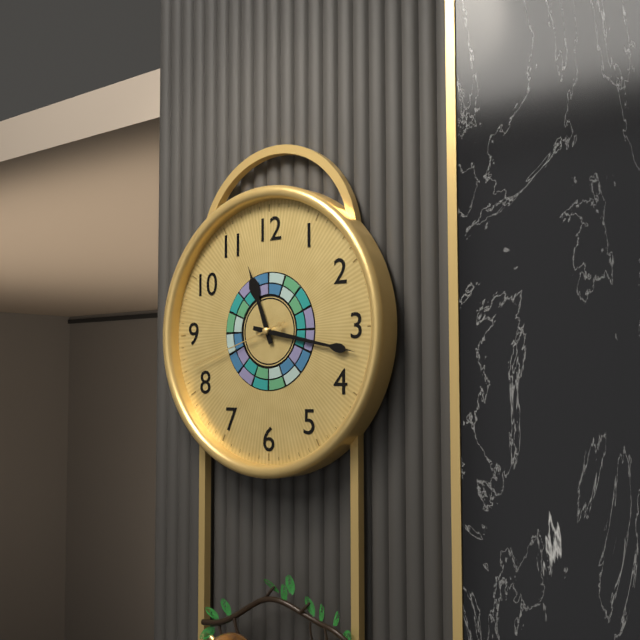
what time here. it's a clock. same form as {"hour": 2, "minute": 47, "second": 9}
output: {"hour": 11, "minute": 17, "second": 42}
